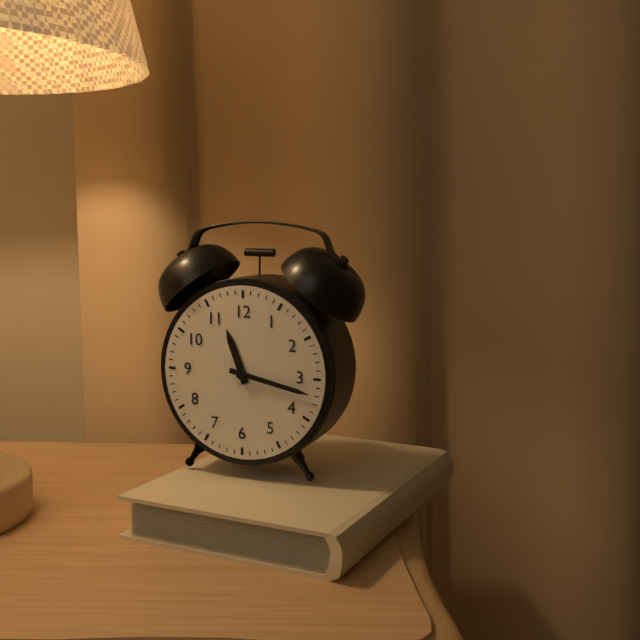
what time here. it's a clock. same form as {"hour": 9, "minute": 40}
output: {"hour": 11, "minute": 17}
